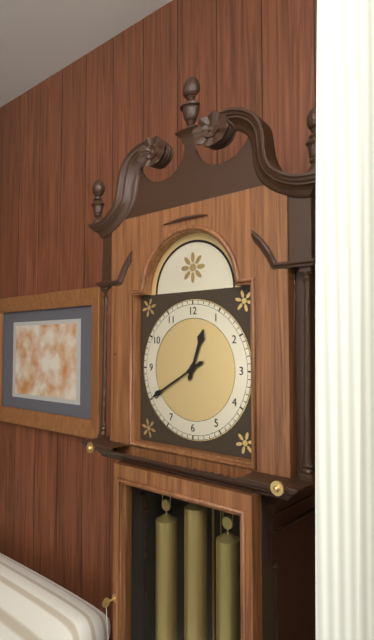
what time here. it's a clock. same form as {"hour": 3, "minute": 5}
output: {"hour": 12, "minute": 40}
